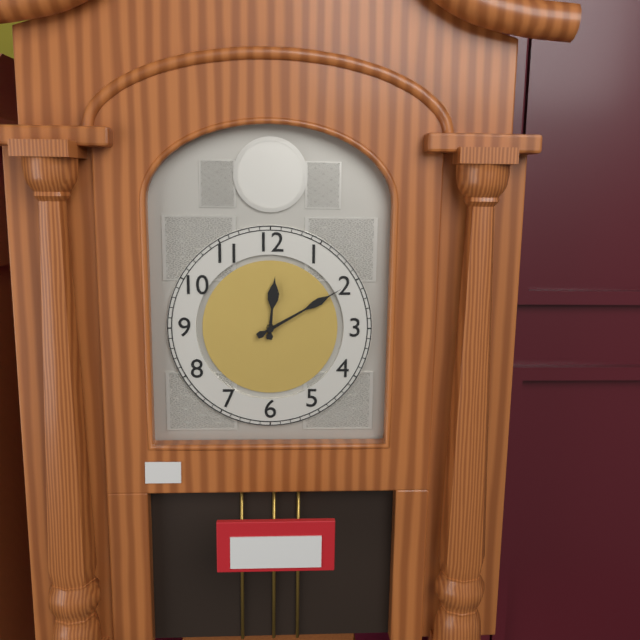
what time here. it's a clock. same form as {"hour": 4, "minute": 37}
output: {"hour": 12, "minute": 10}
